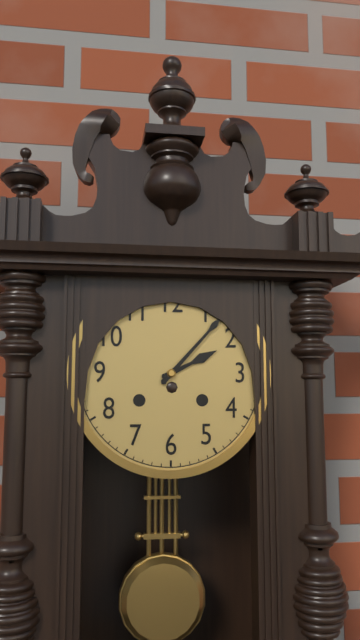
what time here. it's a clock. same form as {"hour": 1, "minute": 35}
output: {"hour": 2, "minute": 7}
